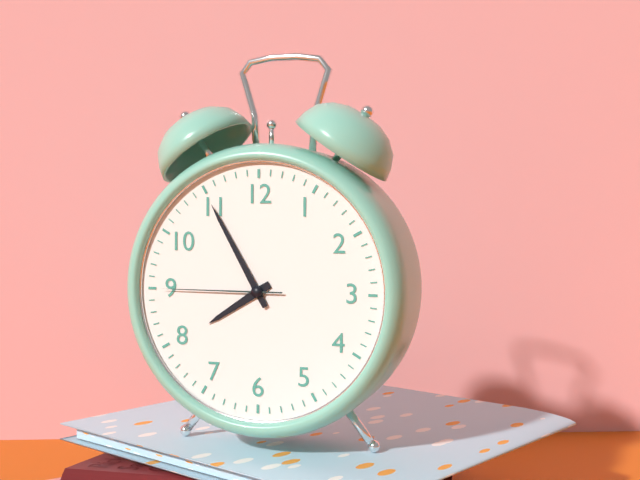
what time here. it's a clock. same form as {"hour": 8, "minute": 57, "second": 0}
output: {"hour": 7, "minute": 55, "second": 45}
